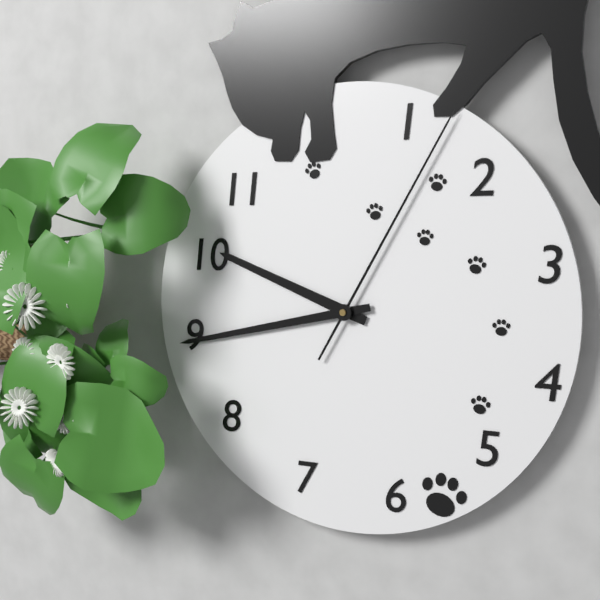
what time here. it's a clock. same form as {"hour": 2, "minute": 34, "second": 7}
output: {"hour": 9, "minute": 43, "second": 5}
